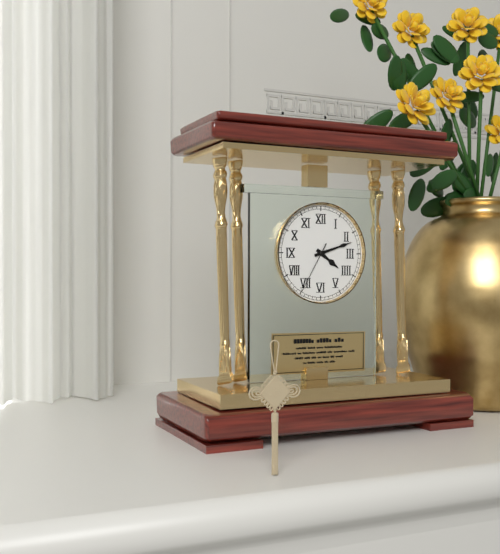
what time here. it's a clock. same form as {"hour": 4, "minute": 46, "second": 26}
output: {"hour": 4, "minute": 12, "second": 35}
